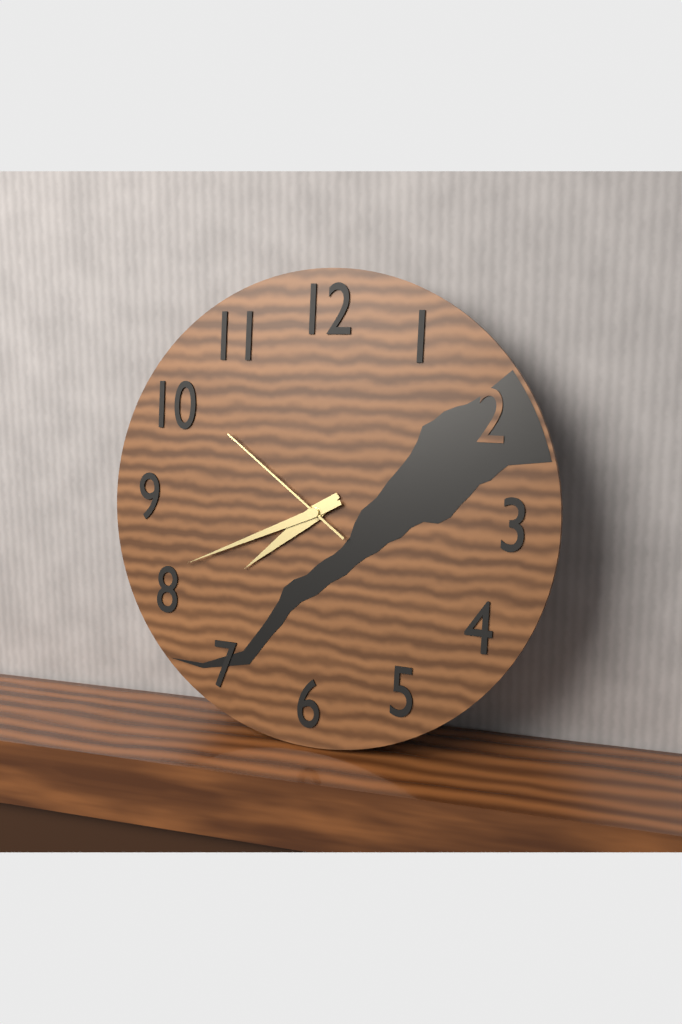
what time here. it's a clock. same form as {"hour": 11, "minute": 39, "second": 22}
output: {"hour": 7, "minute": 41, "second": 51}
